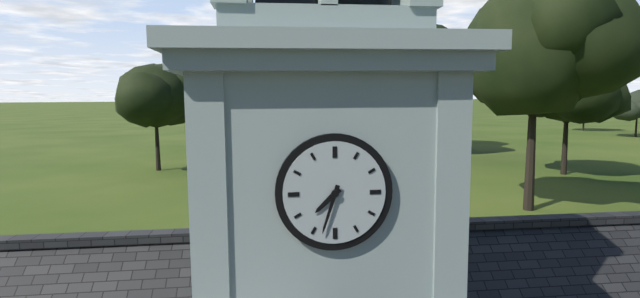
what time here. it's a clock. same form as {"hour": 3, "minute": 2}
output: {"hour": 7, "minute": 33}
